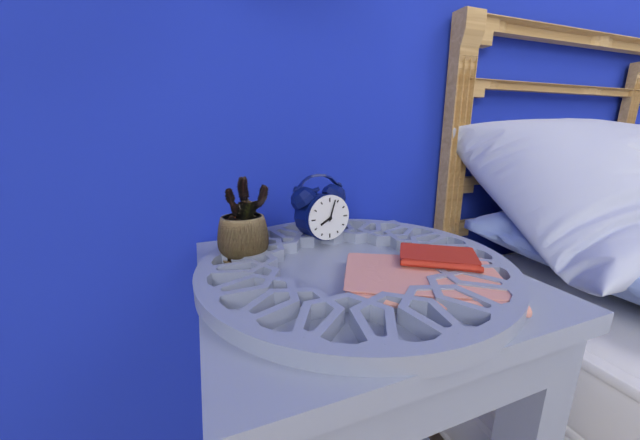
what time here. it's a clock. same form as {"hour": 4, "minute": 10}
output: {"hour": 8, "minute": 3}
